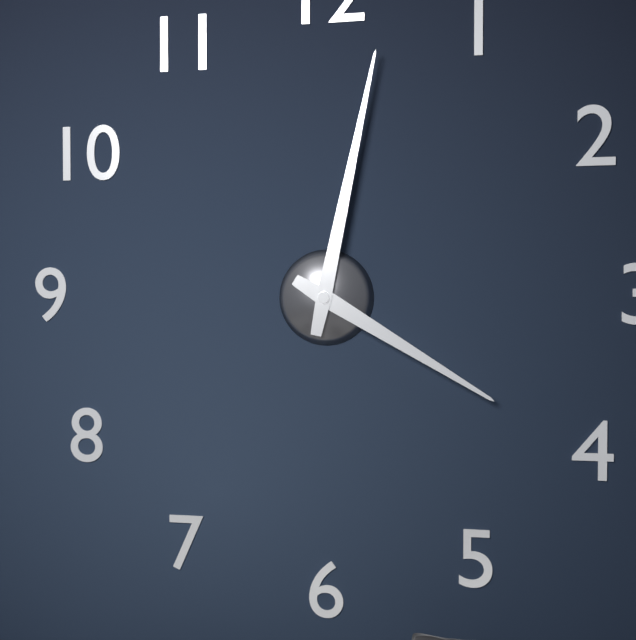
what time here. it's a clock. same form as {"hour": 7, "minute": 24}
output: {"hour": 4, "minute": 2}
